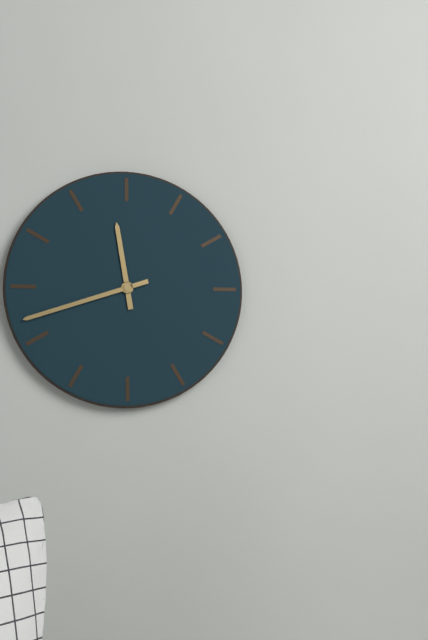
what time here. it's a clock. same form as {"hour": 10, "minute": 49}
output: {"hour": 11, "minute": 42}
